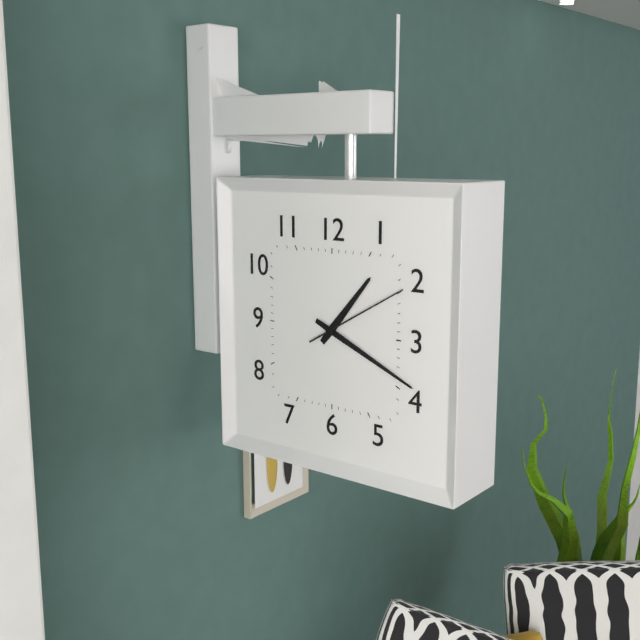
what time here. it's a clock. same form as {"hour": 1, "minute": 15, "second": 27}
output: {"hour": 1, "minute": 19, "second": 10}
